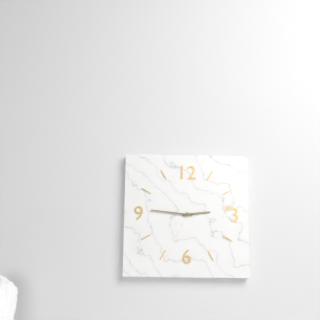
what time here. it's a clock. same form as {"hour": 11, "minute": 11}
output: {"hour": 2, "minute": 46}
